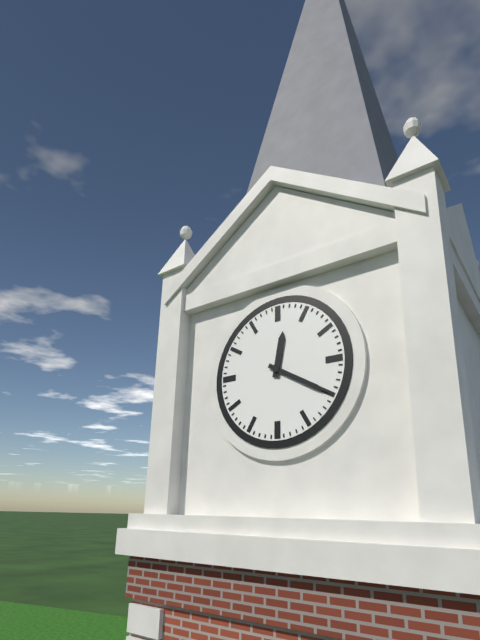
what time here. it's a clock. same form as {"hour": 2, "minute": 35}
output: {"hour": 12, "minute": 20}
